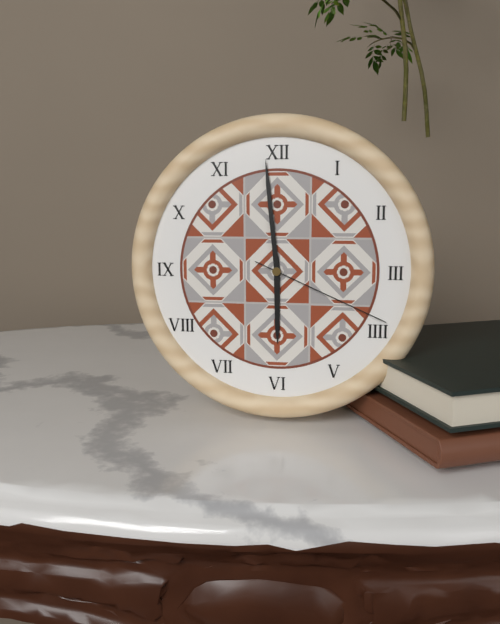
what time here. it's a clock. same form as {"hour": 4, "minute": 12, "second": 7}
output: {"hour": 5, "minute": 59, "second": 19}
